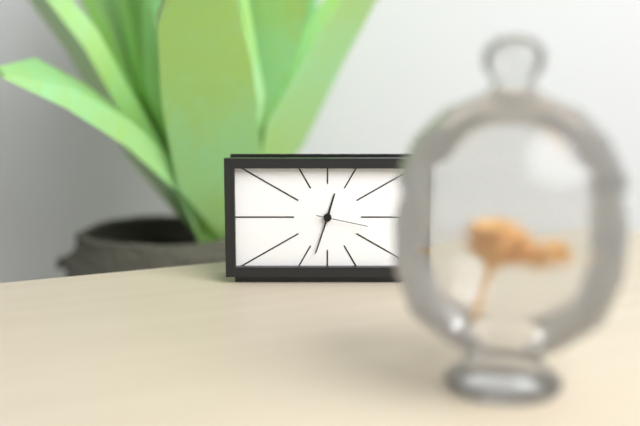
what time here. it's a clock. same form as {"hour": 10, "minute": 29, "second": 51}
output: {"hour": 12, "minute": 33, "second": 17}
